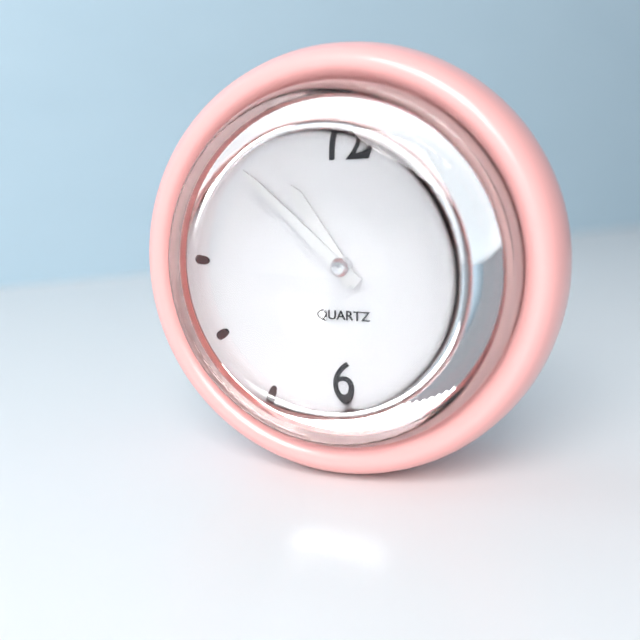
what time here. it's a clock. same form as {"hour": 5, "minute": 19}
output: {"hour": 10, "minute": 52}
